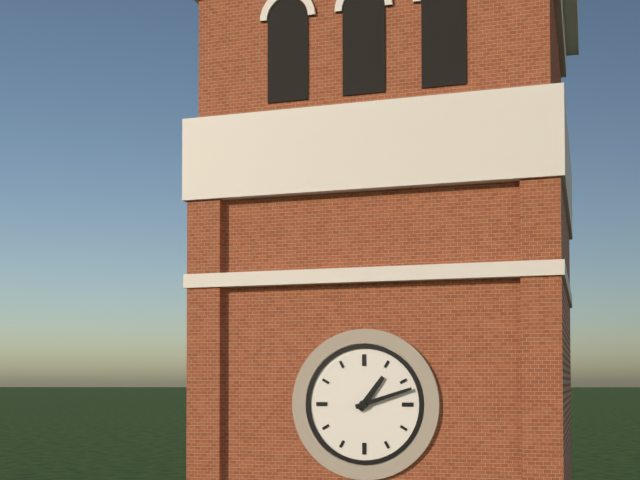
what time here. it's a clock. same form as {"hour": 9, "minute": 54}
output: {"hour": 1, "minute": 12}
